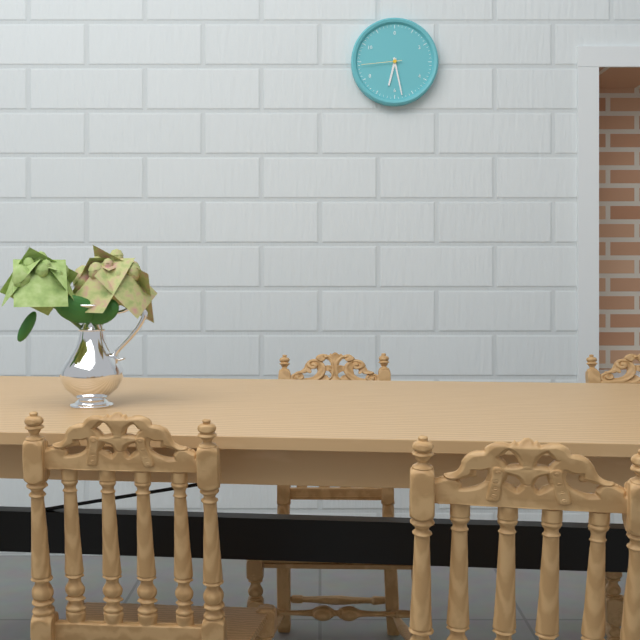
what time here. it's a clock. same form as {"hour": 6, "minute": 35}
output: {"hour": 6, "minute": 28}
